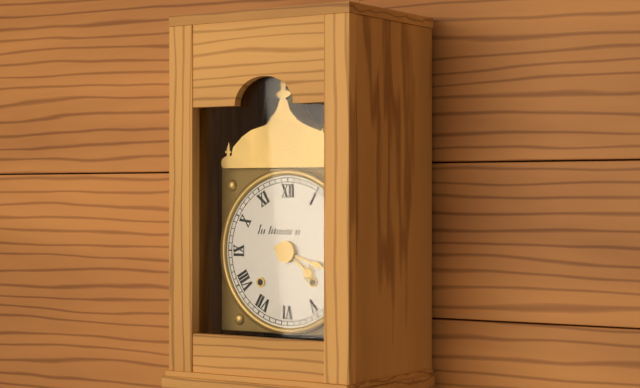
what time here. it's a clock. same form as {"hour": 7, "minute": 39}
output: {"hour": 4, "minute": 18}
